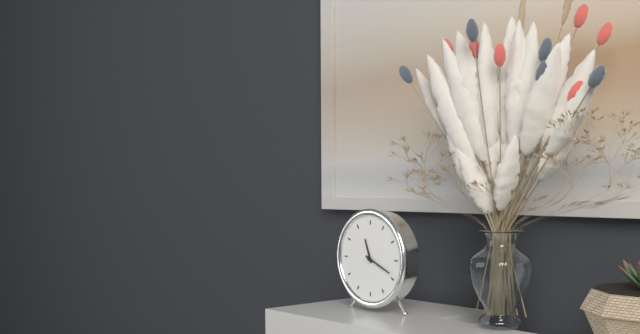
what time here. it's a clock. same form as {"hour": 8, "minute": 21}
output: {"hour": 11, "minute": 19}
